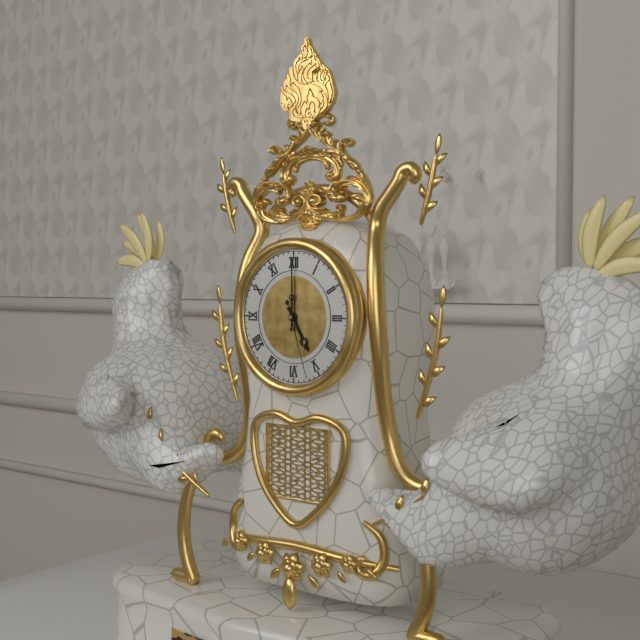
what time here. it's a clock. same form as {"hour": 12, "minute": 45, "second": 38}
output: {"hour": 5, "minute": 0, "second": 27}
